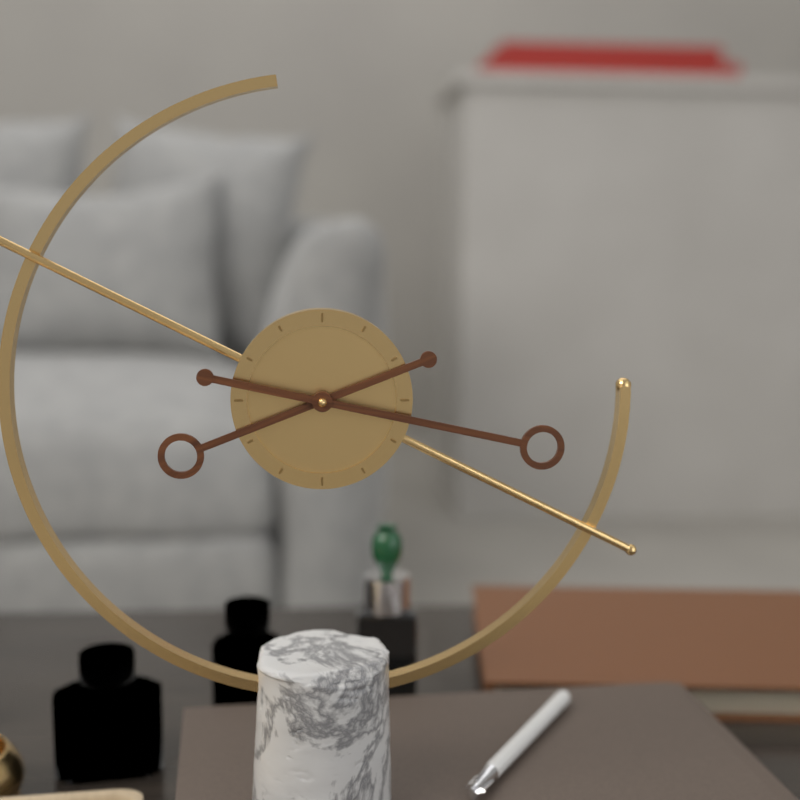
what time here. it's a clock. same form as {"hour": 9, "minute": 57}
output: {"hour": 8, "minute": 17}
